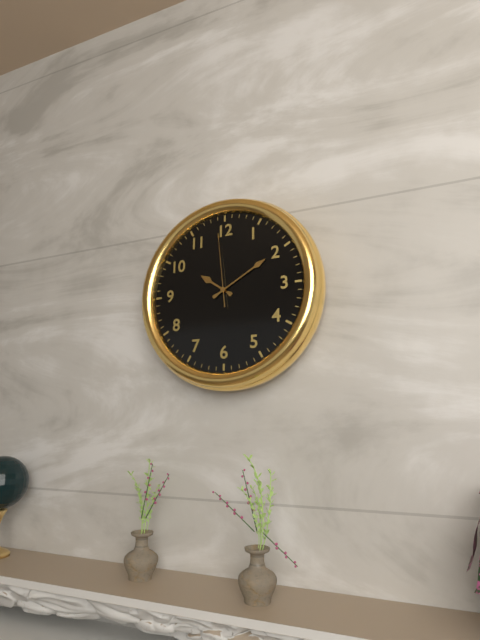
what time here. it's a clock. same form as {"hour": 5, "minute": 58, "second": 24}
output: {"hour": 10, "minute": 10, "second": 59}
